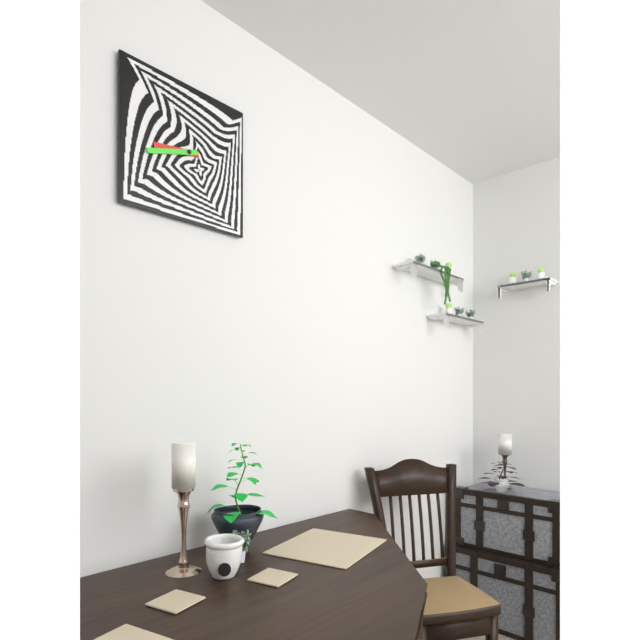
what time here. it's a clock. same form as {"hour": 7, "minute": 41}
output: {"hour": 8, "minute": 42}
